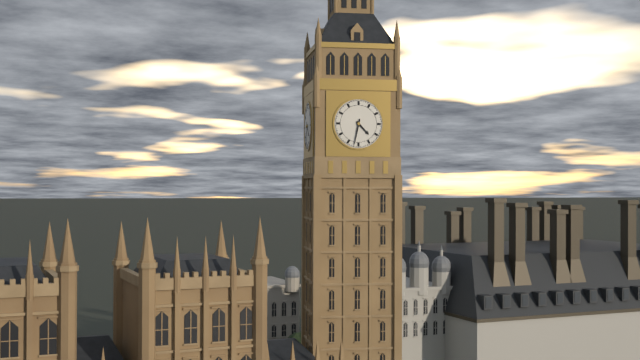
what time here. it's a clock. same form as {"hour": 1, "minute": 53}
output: {"hour": 4, "minute": 32}
